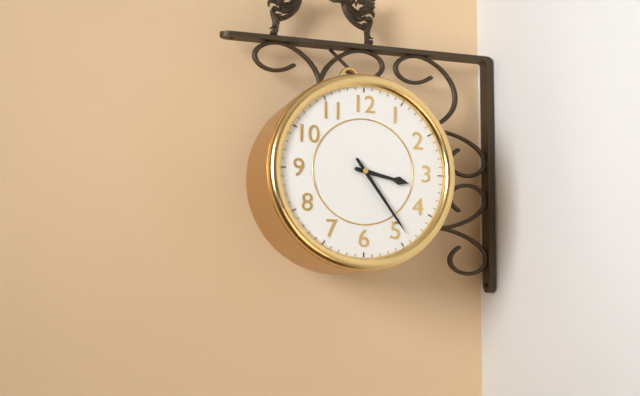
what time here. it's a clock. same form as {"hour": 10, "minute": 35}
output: {"hour": 3, "minute": 24}
